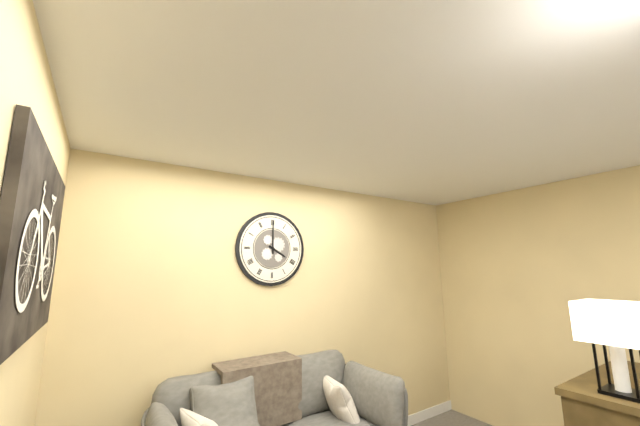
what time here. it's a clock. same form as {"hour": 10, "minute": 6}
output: {"hour": 4, "minute": 0}
